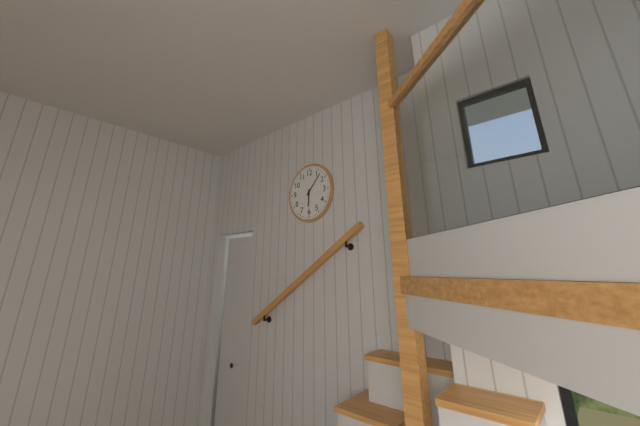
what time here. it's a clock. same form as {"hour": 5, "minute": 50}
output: {"hour": 6, "minute": 7}
